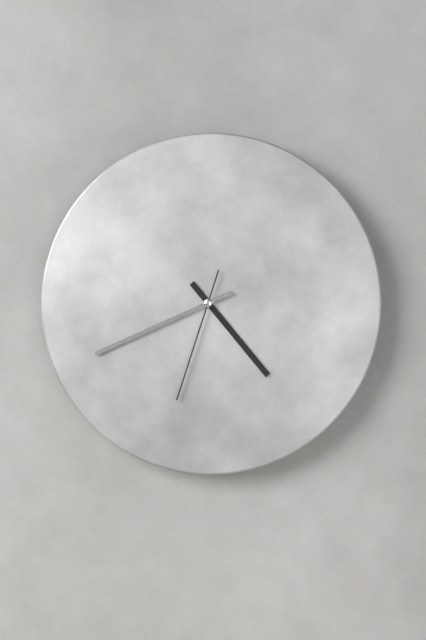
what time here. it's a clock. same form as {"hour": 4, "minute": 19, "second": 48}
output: {"hour": 4, "minute": 41, "second": 33}
